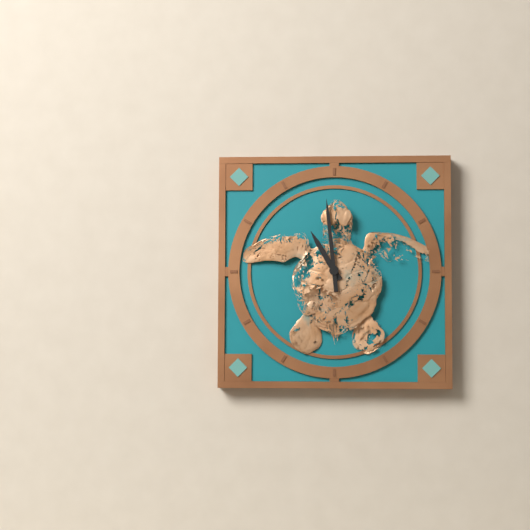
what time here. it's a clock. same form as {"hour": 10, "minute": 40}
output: {"hour": 10, "minute": 59}
